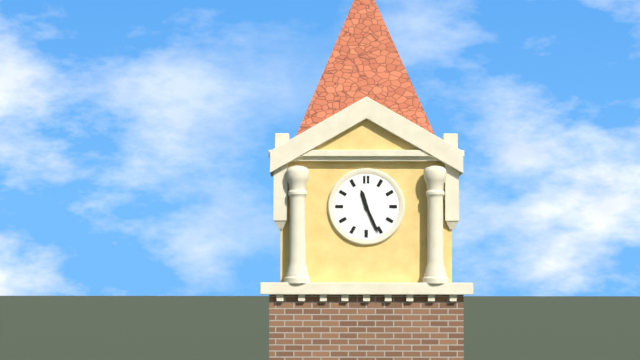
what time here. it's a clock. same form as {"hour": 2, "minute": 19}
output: {"hour": 11, "minute": 26}
